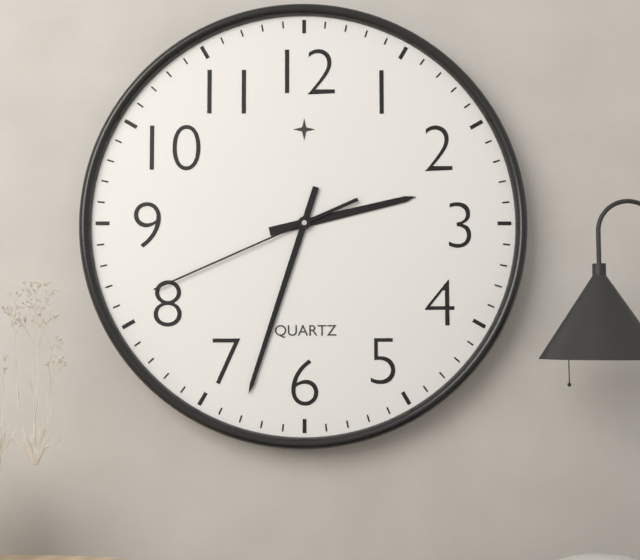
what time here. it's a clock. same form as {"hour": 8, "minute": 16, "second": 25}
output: {"hour": 2, "minute": 33, "second": 41}
